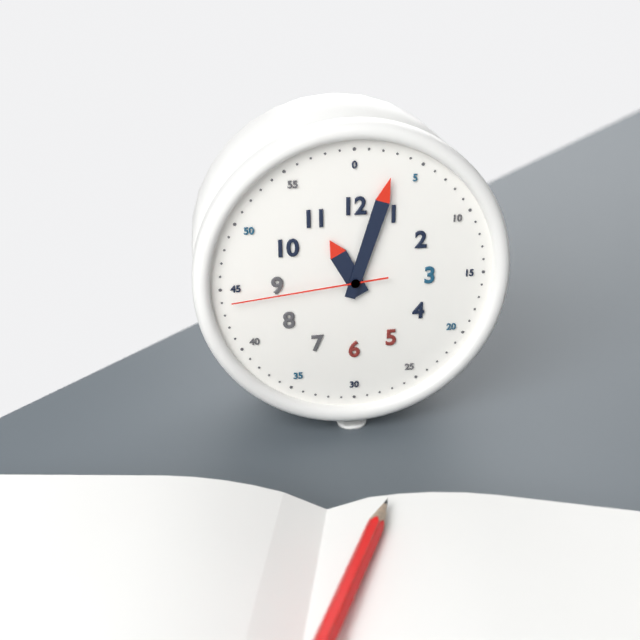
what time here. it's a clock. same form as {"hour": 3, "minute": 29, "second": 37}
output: {"hour": 11, "minute": 3, "second": 44}
